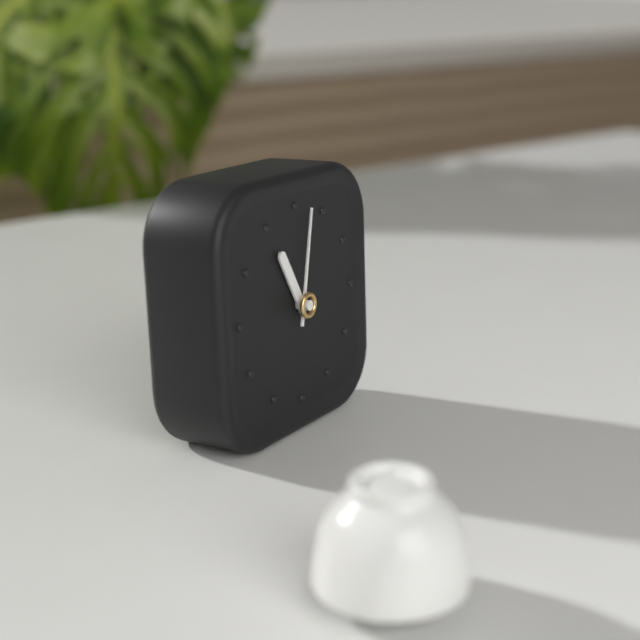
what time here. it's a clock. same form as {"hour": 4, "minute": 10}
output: {"hour": 11, "minute": 2}
